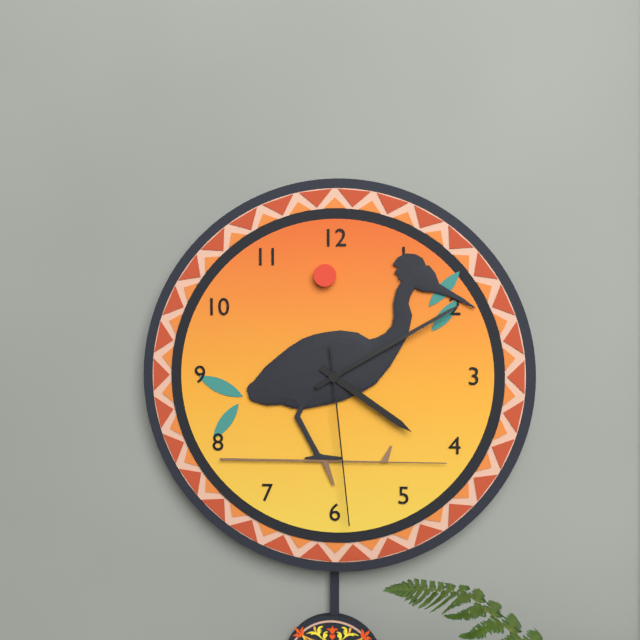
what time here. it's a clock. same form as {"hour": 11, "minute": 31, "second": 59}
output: {"hour": 4, "minute": 10, "second": 29}
